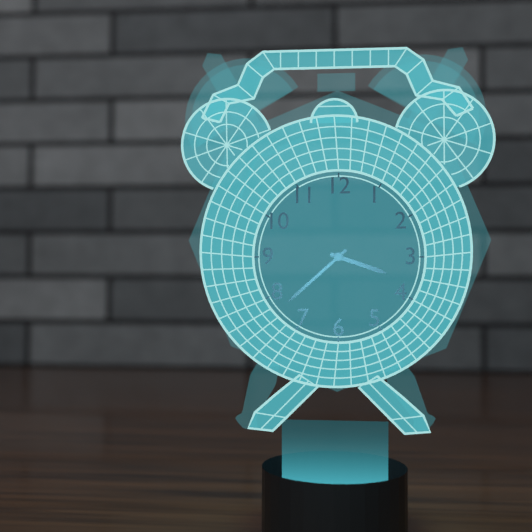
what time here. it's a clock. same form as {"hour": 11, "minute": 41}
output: {"hour": 3, "minute": 38}
